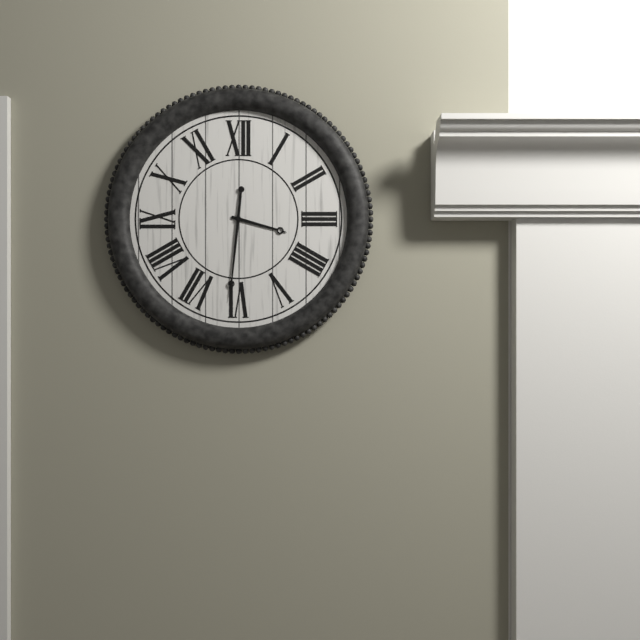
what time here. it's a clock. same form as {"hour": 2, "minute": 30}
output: {"hour": 3, "minute": 31}
